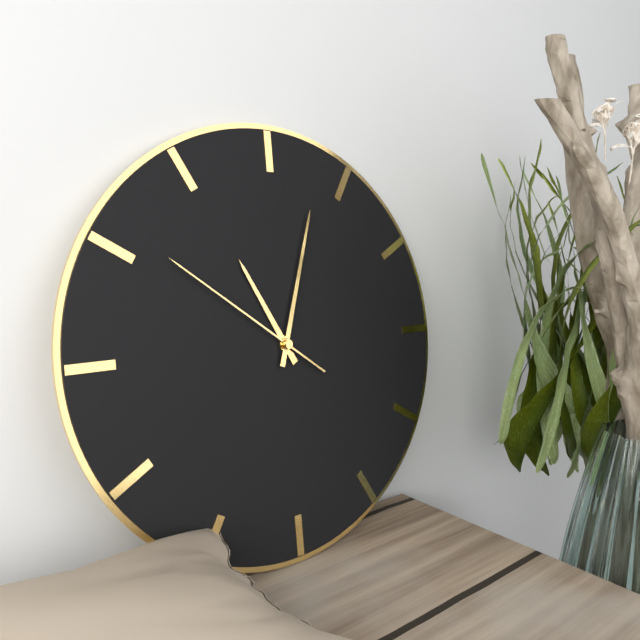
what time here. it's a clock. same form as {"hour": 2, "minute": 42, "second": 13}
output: {"hour": 11, "minute": 3, "second": 51}
